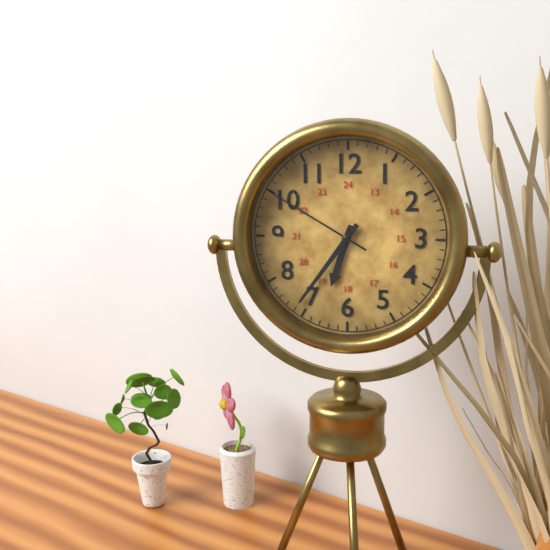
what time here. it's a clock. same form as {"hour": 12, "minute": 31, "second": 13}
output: {"hour": 6, "minute": 36, "second": 50}
